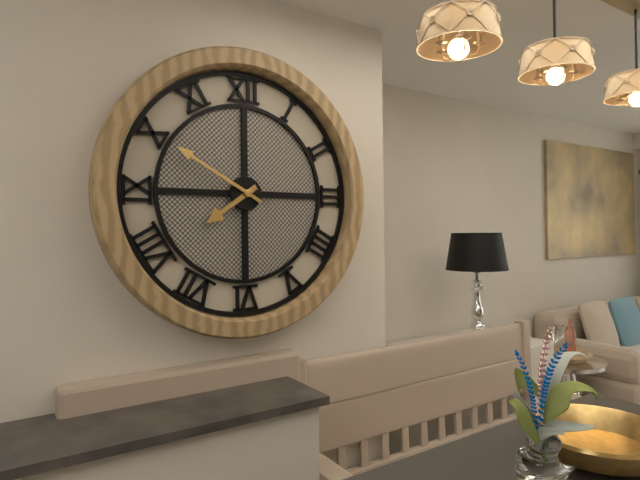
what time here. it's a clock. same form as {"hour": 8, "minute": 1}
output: {"hour": 7, "minute": 50}
